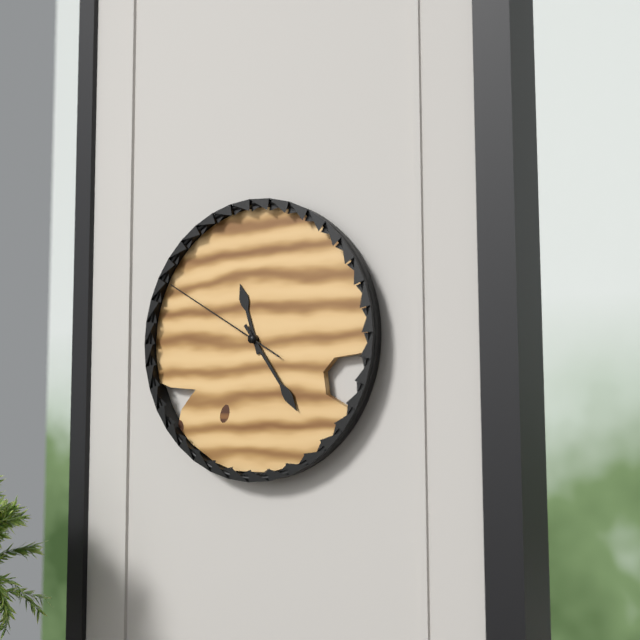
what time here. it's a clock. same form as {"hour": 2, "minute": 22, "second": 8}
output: {"hour": 11, "minute": 24, "second": 50}
